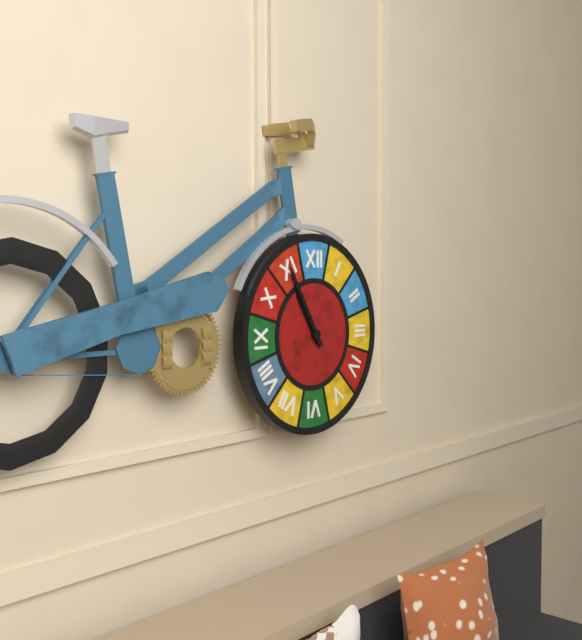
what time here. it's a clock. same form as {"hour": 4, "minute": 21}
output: {"hour": 10, "minute": 55}
